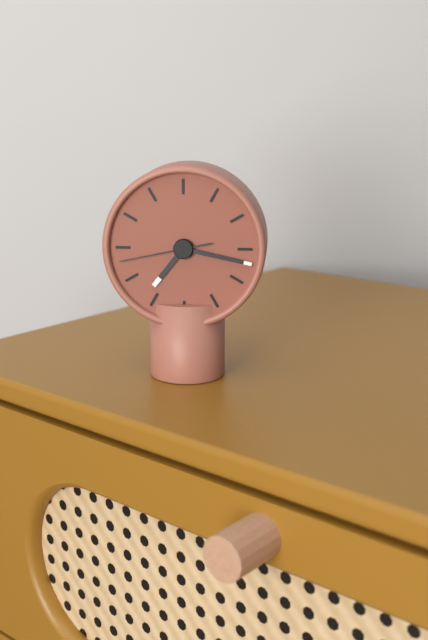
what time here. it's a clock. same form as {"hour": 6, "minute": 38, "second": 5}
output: {"hour": 7, "minute": 17, "second": 43}
